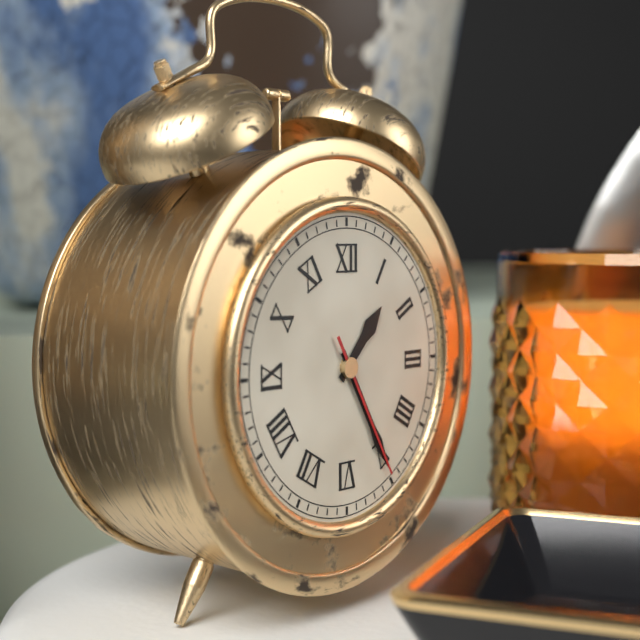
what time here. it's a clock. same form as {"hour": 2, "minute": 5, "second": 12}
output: {"hour": 1, "minute": 25, "second": 25}
